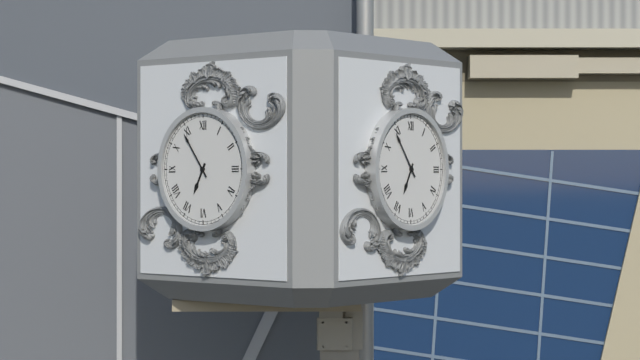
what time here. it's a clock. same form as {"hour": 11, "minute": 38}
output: {"hour": 6, "minute": 54}
